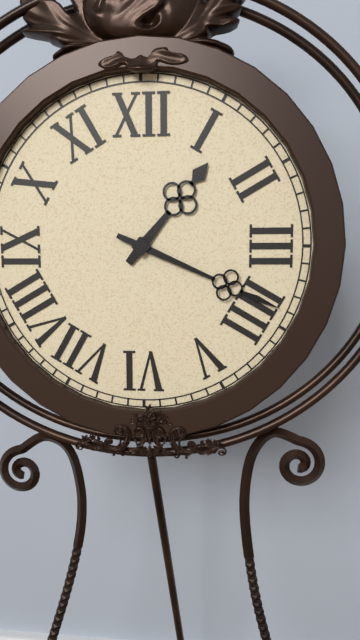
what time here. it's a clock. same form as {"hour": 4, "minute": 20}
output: {"hour": 1, "minute": 19}
